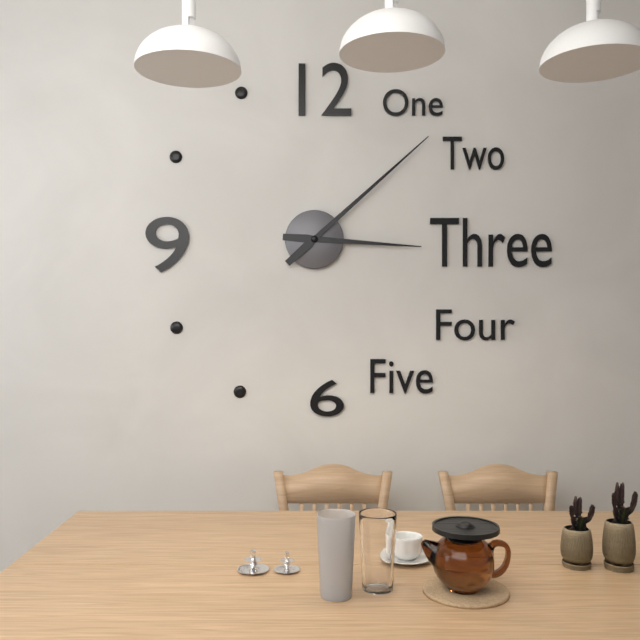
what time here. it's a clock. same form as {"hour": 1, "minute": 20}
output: {"hour": 3, "minute": 8}
